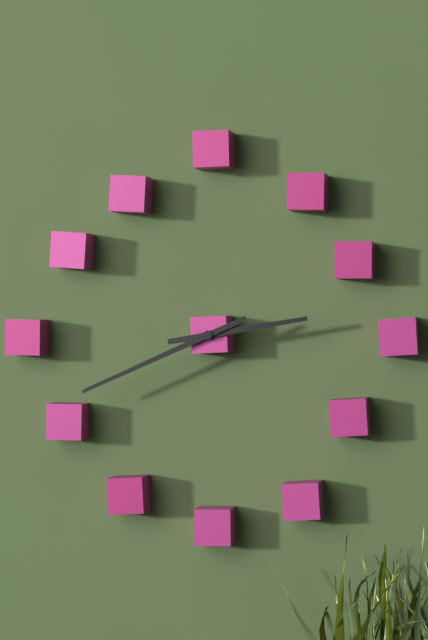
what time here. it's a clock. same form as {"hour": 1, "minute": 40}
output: {"hour": 2, "minute": 41}
